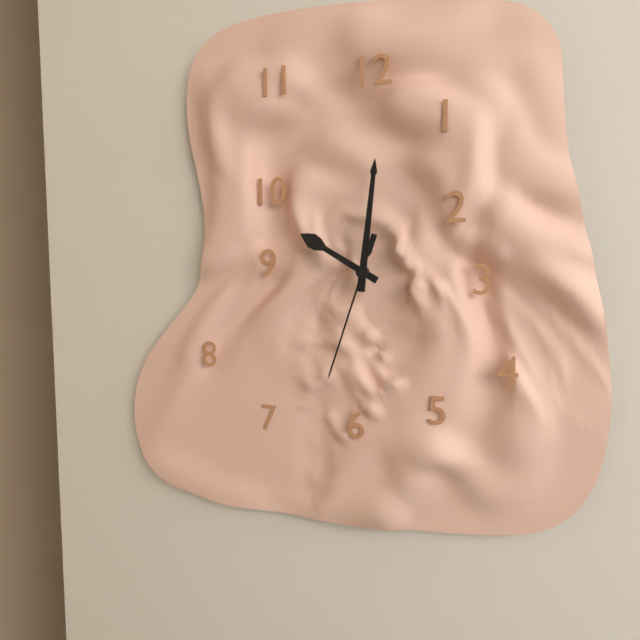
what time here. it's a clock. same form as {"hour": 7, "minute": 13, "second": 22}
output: {"hour": 10, "minute": 1, "second": 33}
